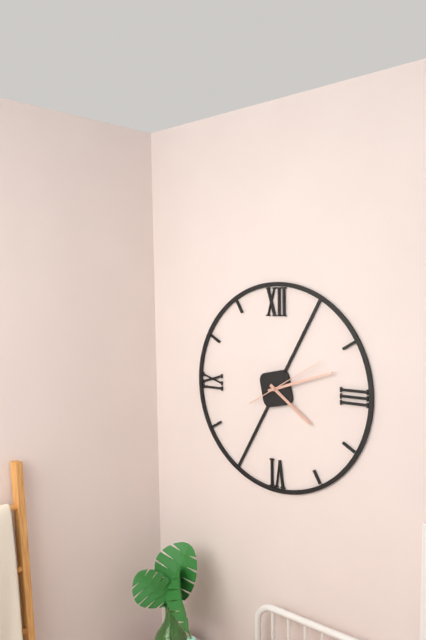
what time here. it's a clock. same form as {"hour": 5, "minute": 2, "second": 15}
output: {"hour": 4, "minute": 12, "second": 10}
